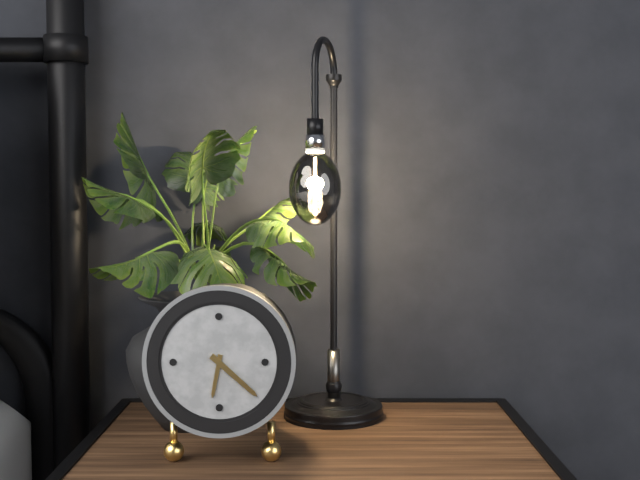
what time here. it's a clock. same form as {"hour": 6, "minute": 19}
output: {"hour": 6, "minute": 22}
